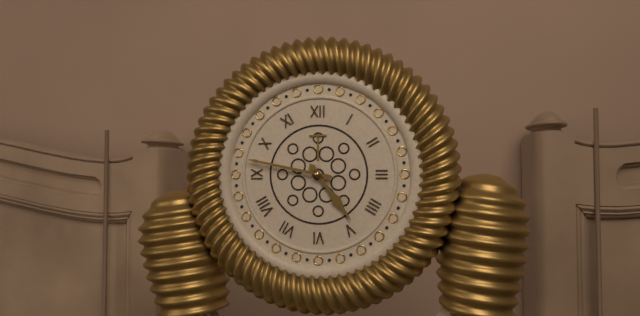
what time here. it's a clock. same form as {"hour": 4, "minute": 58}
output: {"hour": 4, "minute": 47}
